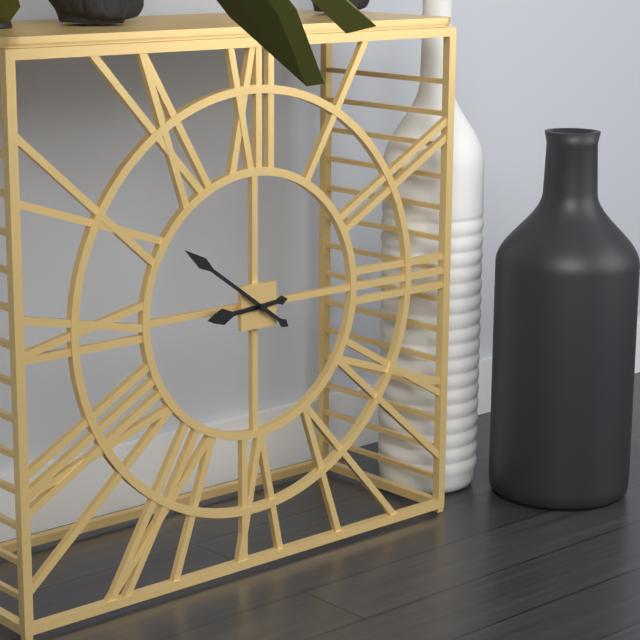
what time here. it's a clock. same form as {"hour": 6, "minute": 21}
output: {"hour": 8, "minute": 51}
